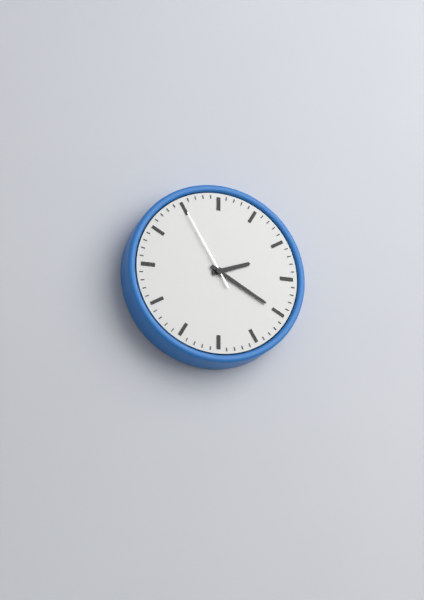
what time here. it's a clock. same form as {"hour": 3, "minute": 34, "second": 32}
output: {"hour": 2, "minute": 20, "second": 55}
